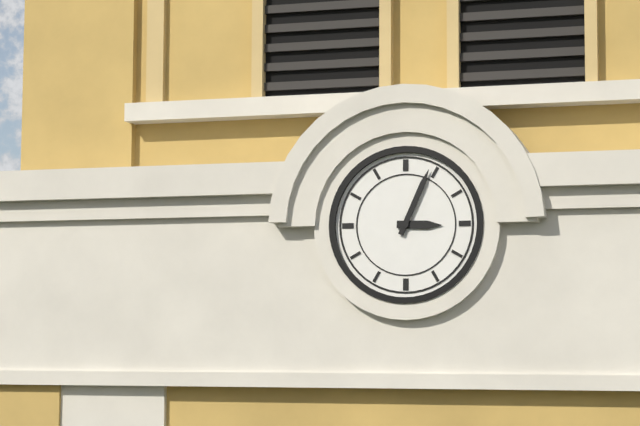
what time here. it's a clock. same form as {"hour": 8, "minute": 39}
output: {"hour": 3, "minute": 4}
